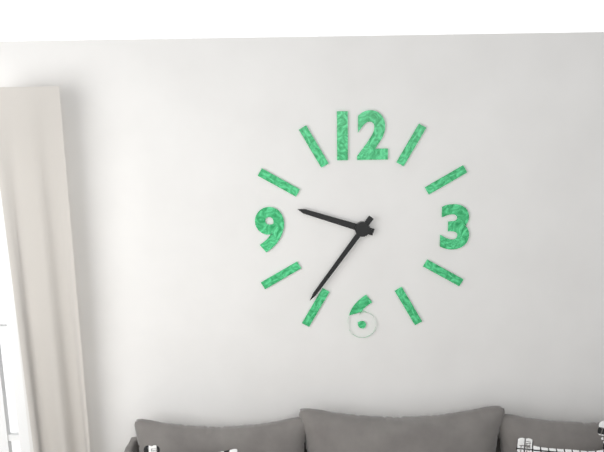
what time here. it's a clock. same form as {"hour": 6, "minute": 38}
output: {"hour": 9, "minute": 36}
